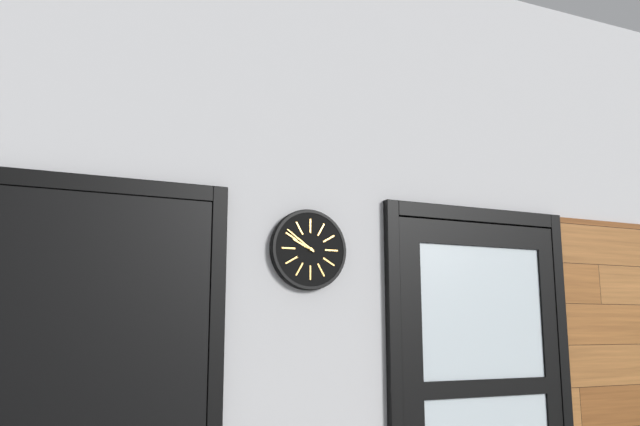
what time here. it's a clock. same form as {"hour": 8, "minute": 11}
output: {"hour": 9, "minute": 51}
